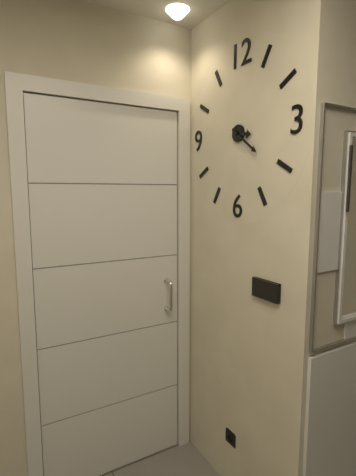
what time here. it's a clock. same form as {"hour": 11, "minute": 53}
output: {"hour": 3, "minute": 21}
